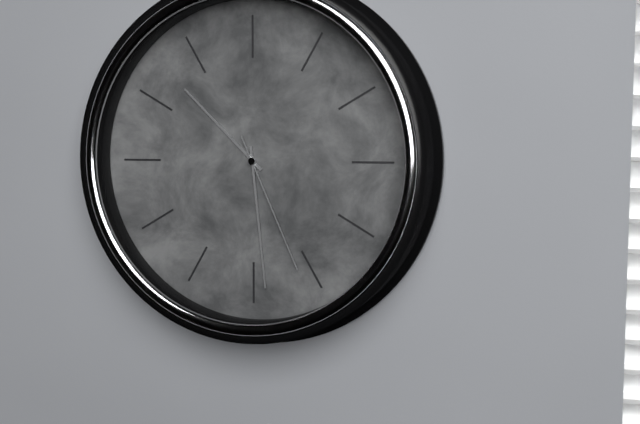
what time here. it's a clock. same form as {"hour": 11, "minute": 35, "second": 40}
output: {"hour": 10, "minute": 29, "second": 26}
